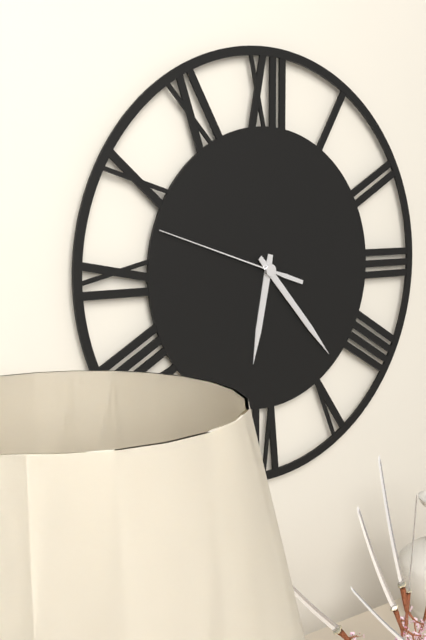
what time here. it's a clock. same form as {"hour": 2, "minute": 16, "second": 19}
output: {"hour": 6, "minute": 23, "second": 48}
